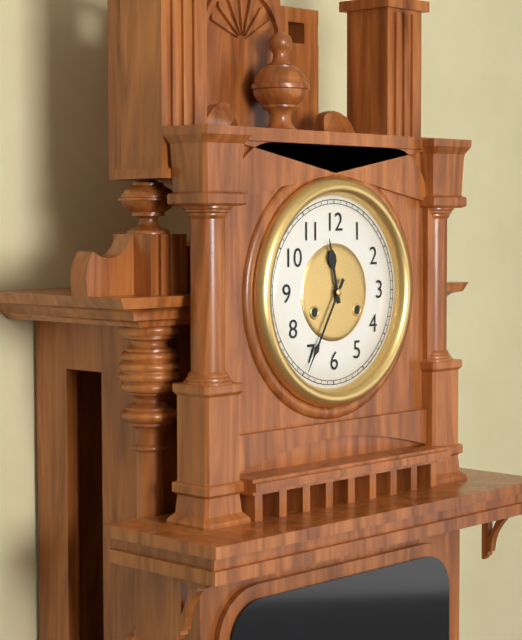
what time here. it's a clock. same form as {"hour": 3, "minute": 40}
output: {"hour": 11, "minute": 35}
